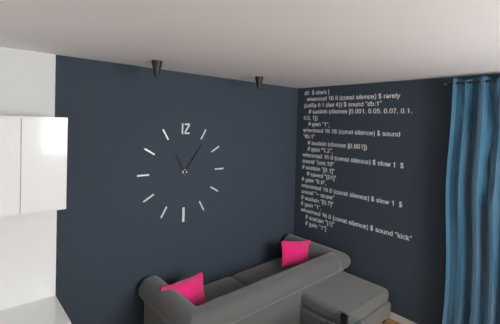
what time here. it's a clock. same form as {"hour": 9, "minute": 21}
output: {"hour": 11, "minute": 6}
